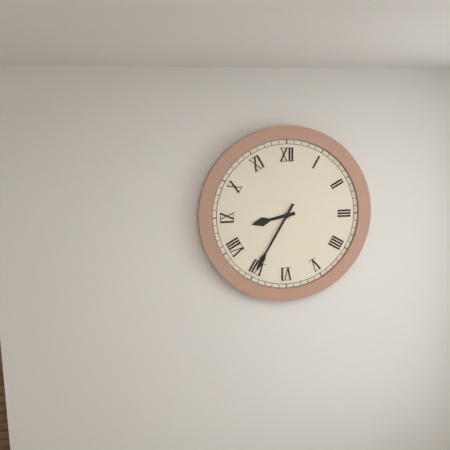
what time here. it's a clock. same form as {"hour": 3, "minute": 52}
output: {"hour": 8, "minute": 35}
